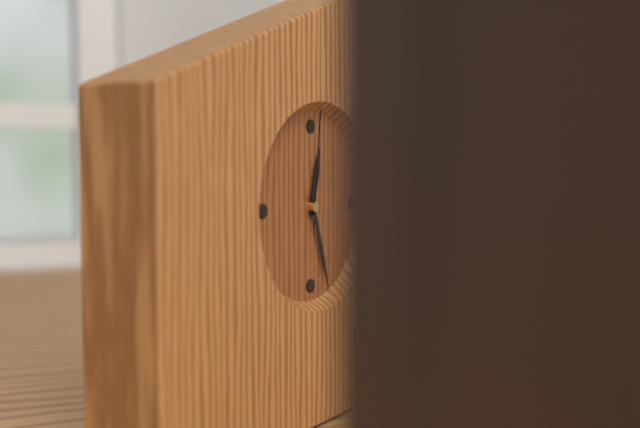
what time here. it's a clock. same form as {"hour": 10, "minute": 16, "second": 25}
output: {"hour": 12, "minute": 27, "second": 1}
